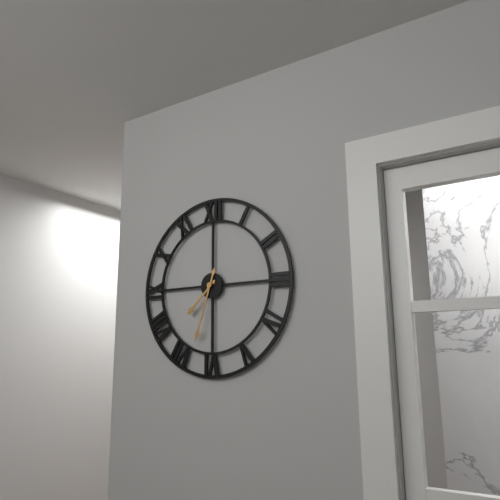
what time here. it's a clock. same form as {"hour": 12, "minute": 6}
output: {"hour": 7, "minute": 33}
